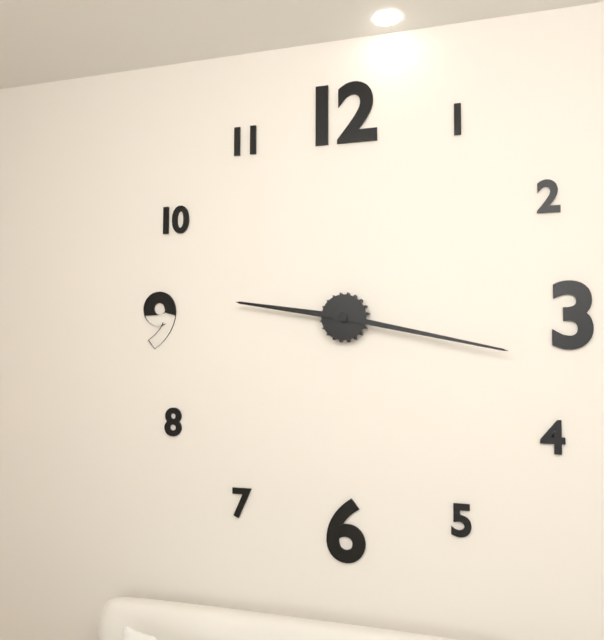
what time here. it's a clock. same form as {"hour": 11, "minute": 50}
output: {"hour": 9, "minute": 17}
